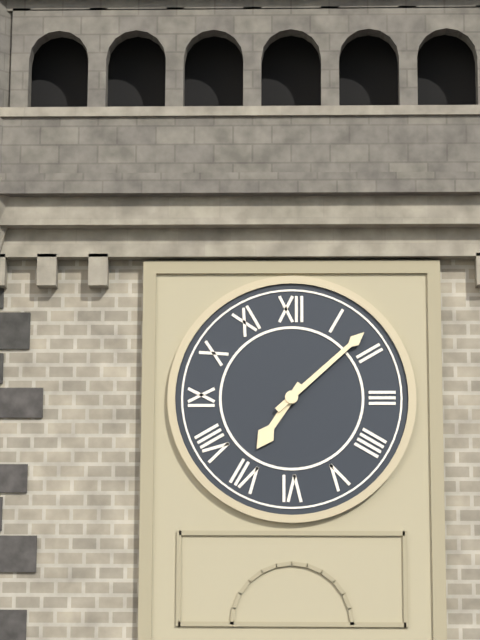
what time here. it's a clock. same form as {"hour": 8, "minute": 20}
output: {"hour": 7, "minute": 8}
